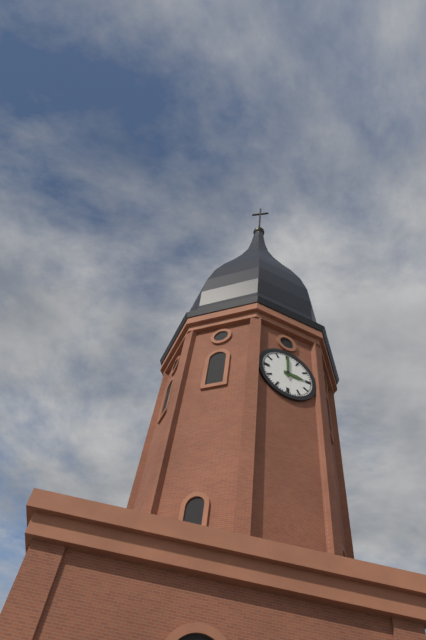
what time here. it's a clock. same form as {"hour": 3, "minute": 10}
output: {"hour": 3, "minute": 0}
